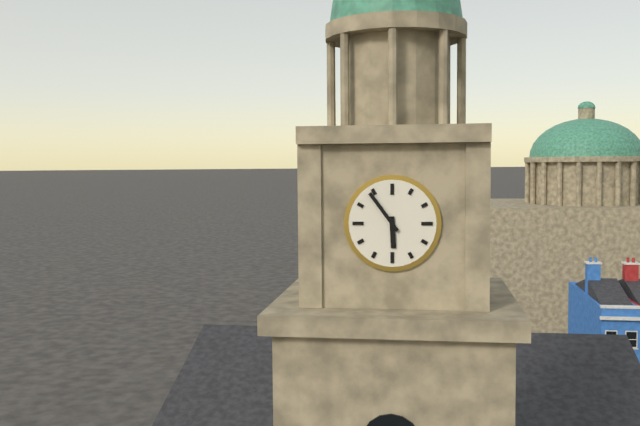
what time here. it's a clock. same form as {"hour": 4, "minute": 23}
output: {"hour": 5, "minute": 54}
